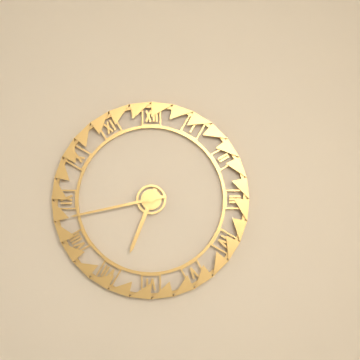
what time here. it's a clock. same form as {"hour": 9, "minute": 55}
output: {"hour": 6, "minute": 43}
